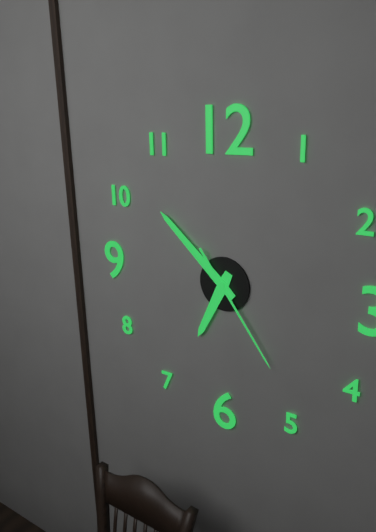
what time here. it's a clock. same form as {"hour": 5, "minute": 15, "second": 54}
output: {"hour": 6, "minute": 52, "second": 24}
